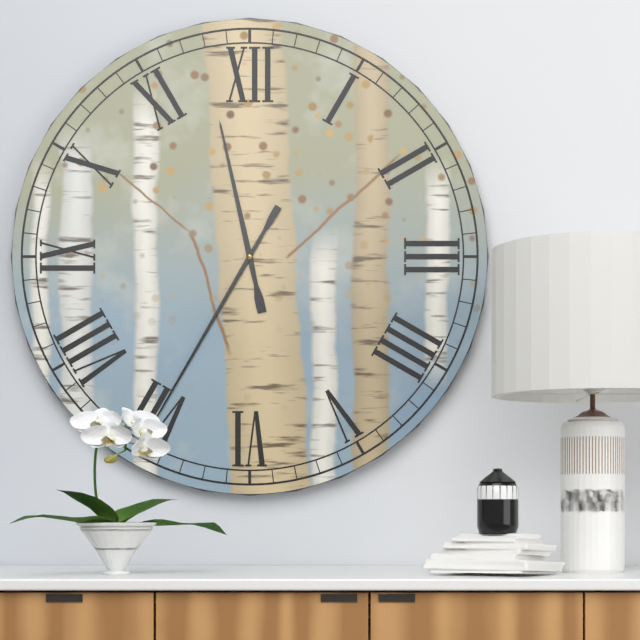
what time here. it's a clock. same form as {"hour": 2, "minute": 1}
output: {"hour": 11, "minute": 35}
